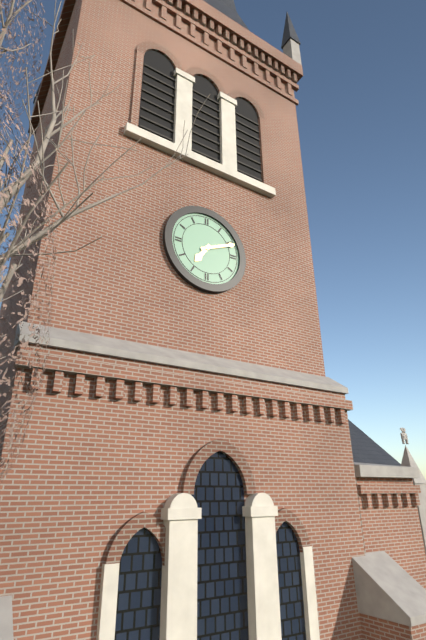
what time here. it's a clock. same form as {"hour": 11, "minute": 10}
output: {"hour": 7, "minute": 11}
